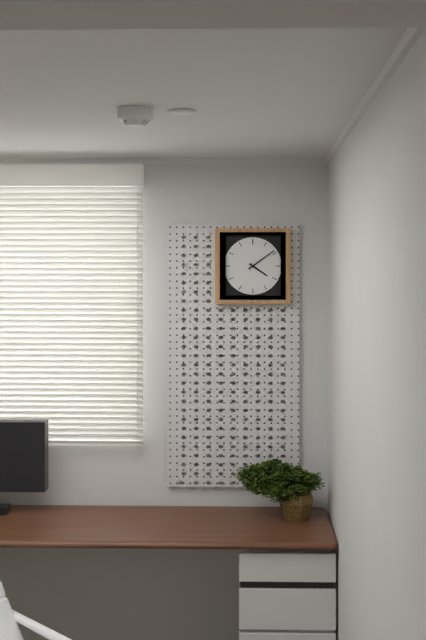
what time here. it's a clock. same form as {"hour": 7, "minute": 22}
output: {"hour": 4, "minute": 9}
